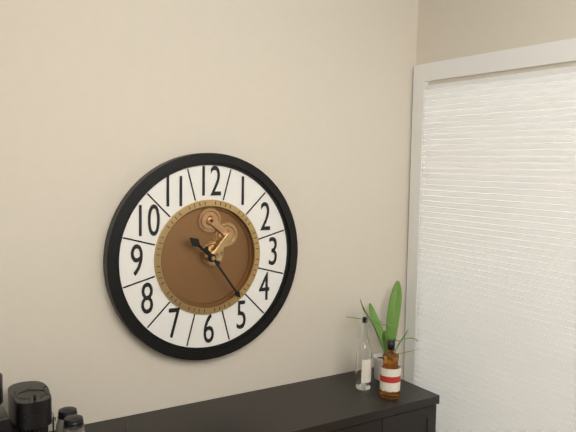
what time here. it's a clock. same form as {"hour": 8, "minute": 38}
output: {"hour": 10, "minute": 24}
